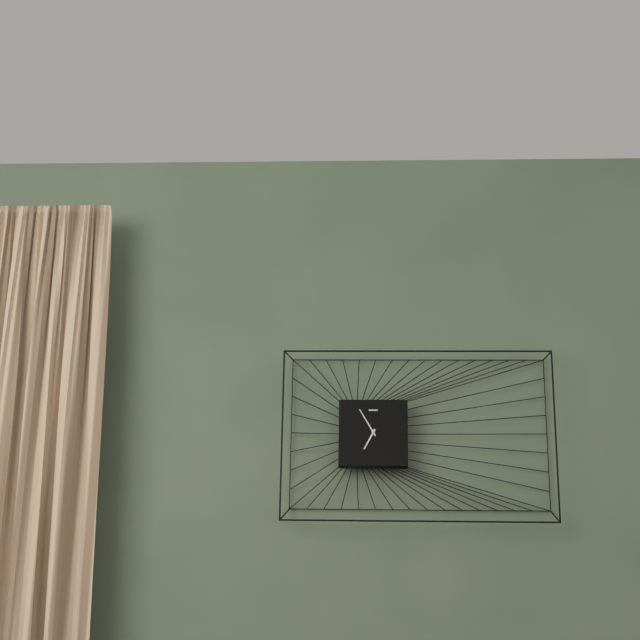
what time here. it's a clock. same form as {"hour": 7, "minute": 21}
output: {"hour": 6, "minute": 55}
